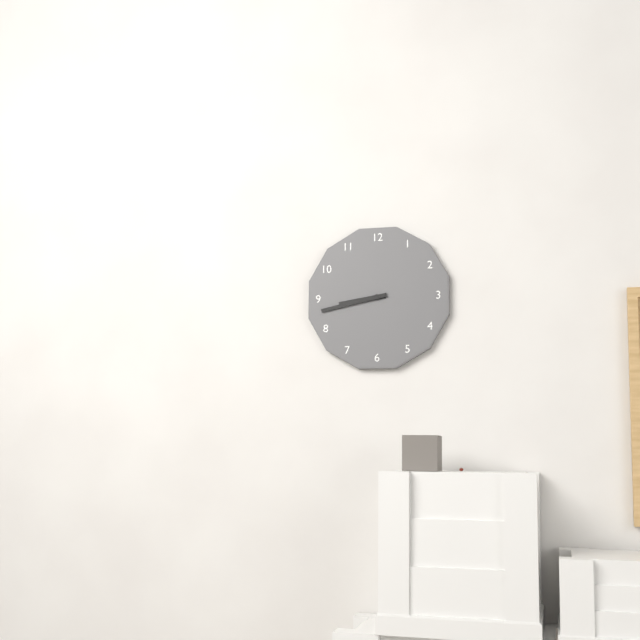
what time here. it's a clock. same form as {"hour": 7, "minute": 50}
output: {"hour": 8, "minute": 43}
